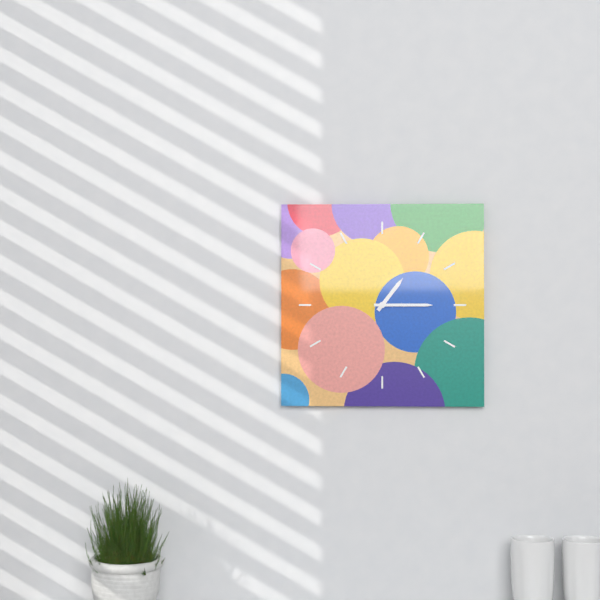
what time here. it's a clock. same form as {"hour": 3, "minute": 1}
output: {"hour": 1, "minute": 15}
